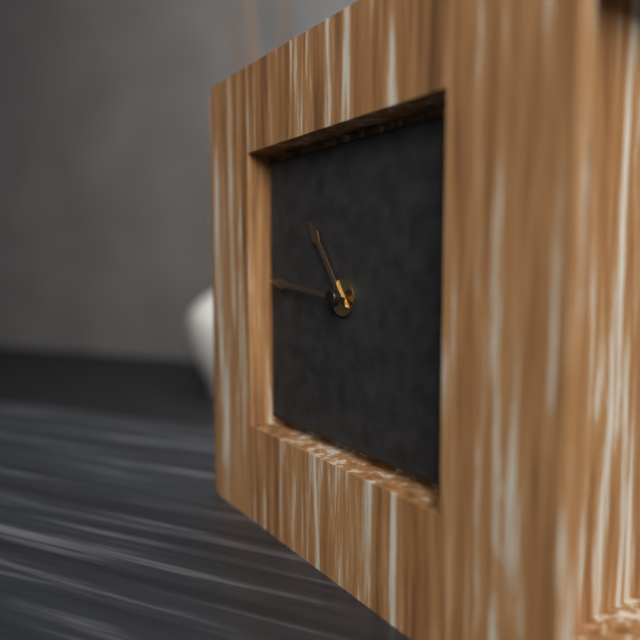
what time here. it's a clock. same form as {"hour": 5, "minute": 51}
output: {"hour": 10, "minute": 46}
